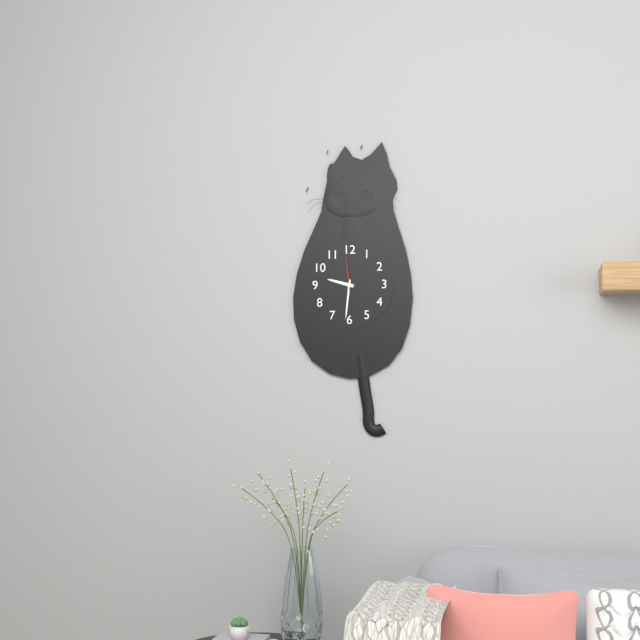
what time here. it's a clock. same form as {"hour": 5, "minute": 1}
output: {"hour": 9, "minute": 31}
